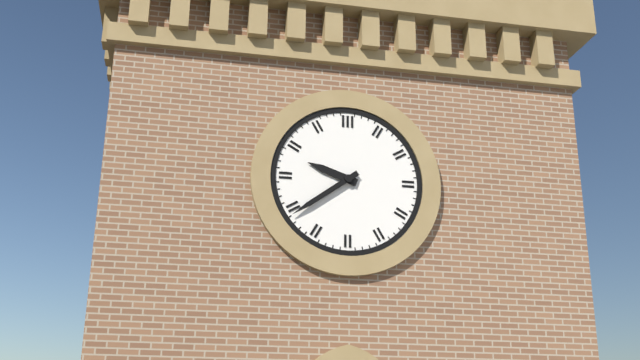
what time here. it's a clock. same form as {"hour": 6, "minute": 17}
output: {"hour": 9, "minute": 39}
